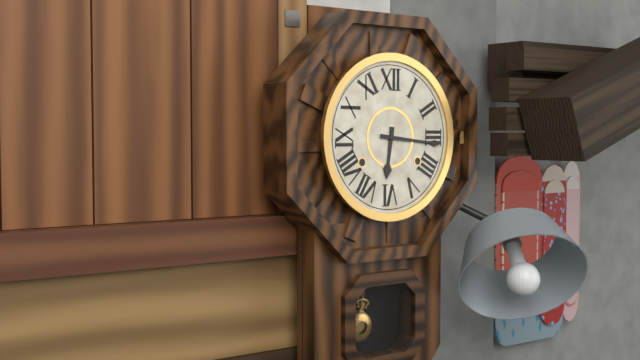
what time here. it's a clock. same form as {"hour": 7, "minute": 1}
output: {"hour": 6, "minute": 16}
